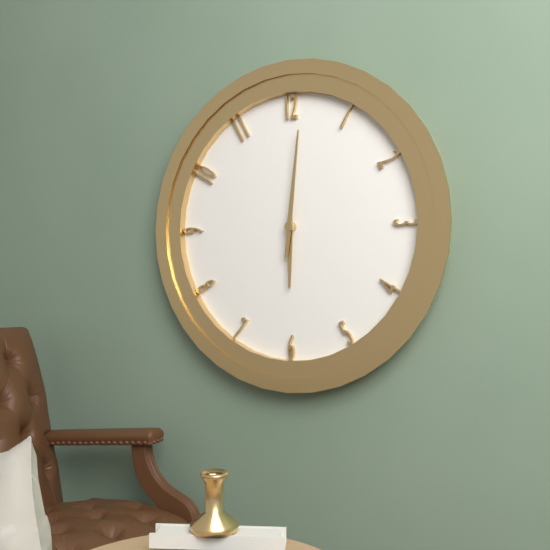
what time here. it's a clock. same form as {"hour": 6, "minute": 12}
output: {"hour": 6, "minute": 1}
